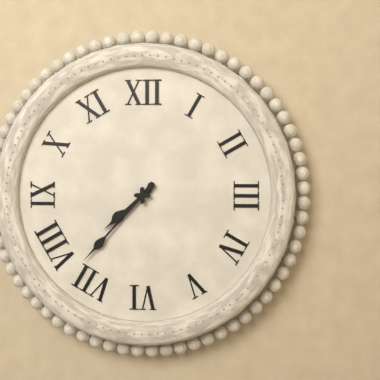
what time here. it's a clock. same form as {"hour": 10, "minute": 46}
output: {"hour": 7, "minute": 37}
